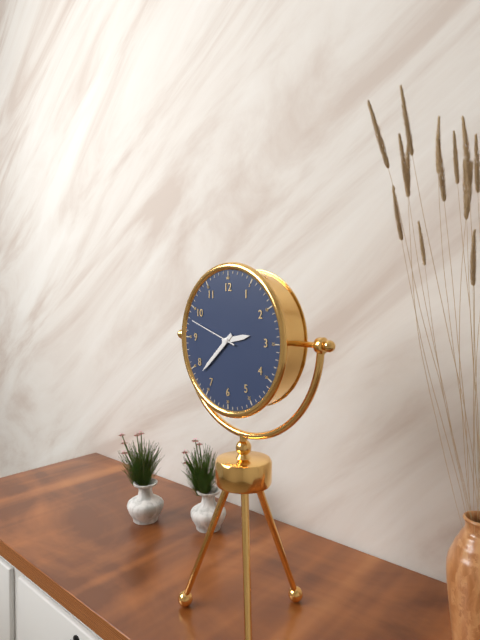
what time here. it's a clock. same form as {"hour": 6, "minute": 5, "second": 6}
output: {"hour": 2, "minute": 38, "second": 48}
